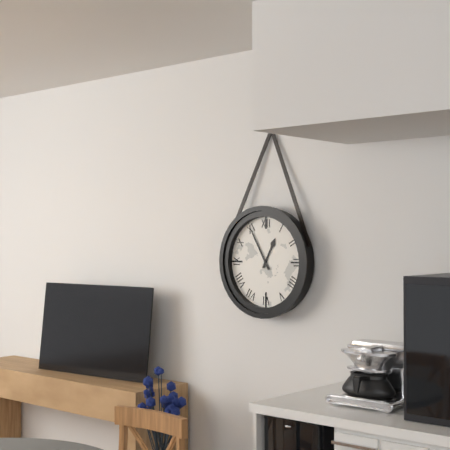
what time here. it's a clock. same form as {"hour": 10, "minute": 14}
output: {"hour": 12, "minute": 55}
